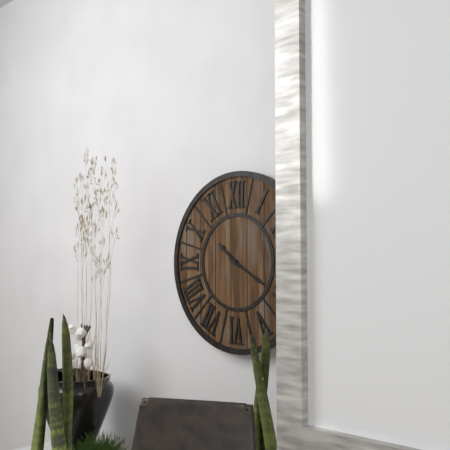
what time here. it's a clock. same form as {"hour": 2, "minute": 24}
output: {"hour": 10, "minute": 20}
